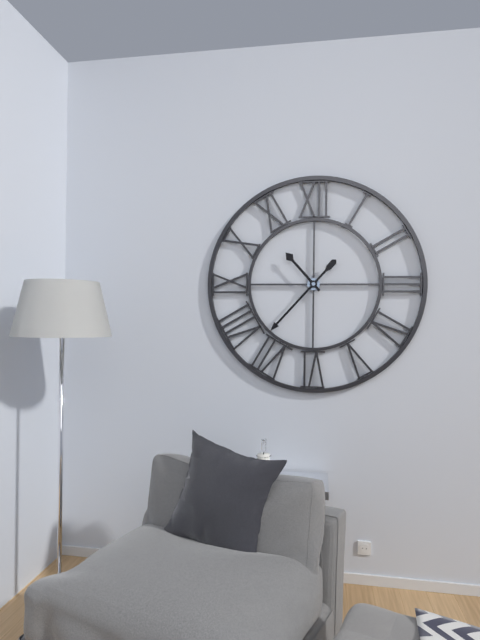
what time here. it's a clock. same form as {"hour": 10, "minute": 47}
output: {"hour": 10, "minute": 37}
